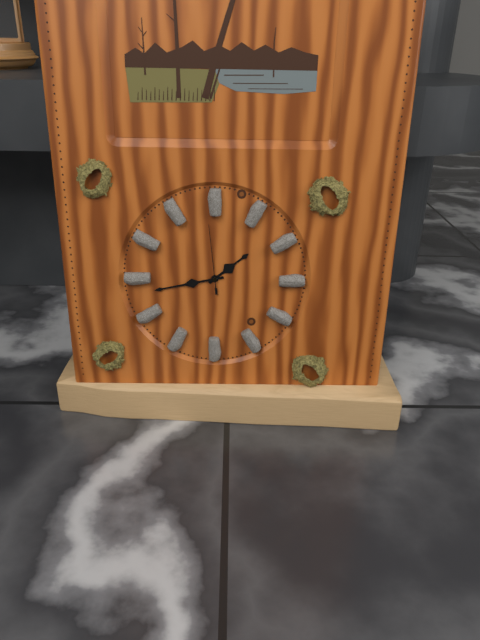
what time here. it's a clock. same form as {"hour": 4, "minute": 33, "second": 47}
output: {"hour": 1, "minute": 43, "second": 59}
